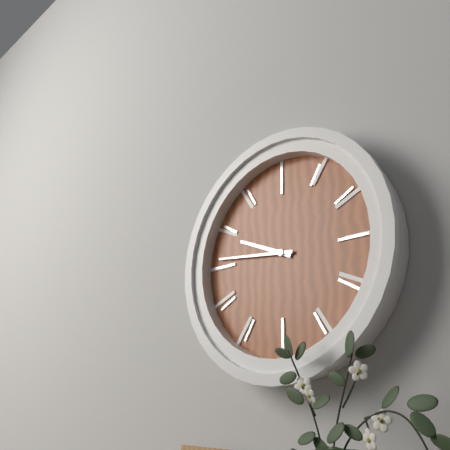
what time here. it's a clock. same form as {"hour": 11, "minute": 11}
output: {"hour": 9, "minute": 46}
